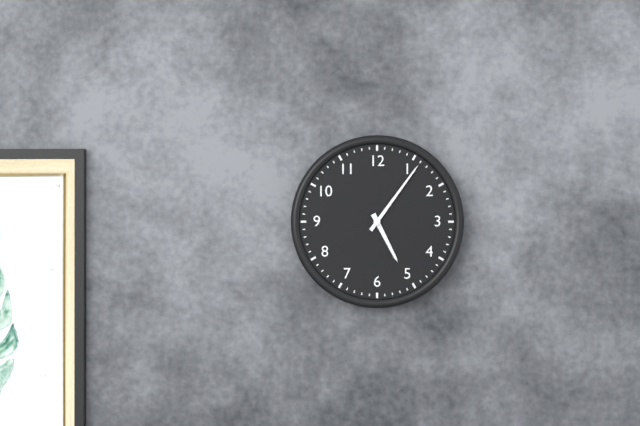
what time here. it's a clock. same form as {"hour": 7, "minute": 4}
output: {"hour": 5, "minute": 6}
